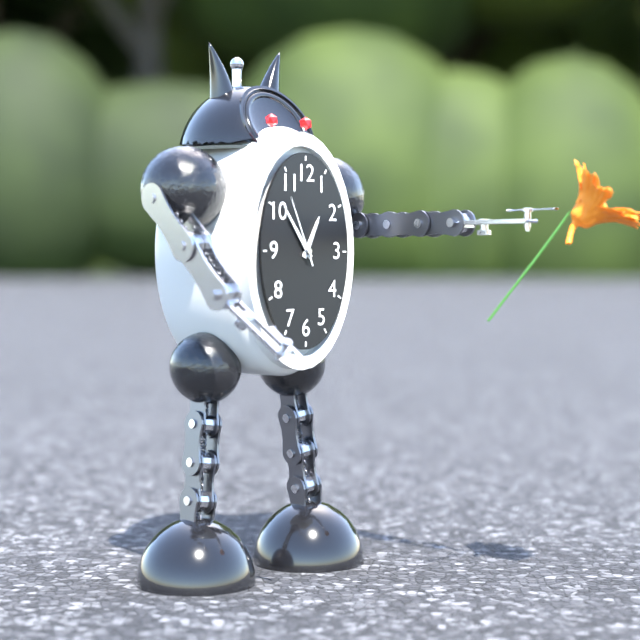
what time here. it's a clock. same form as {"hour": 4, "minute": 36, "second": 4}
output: {"hour": 12, "minute": 54, "second": 56}
